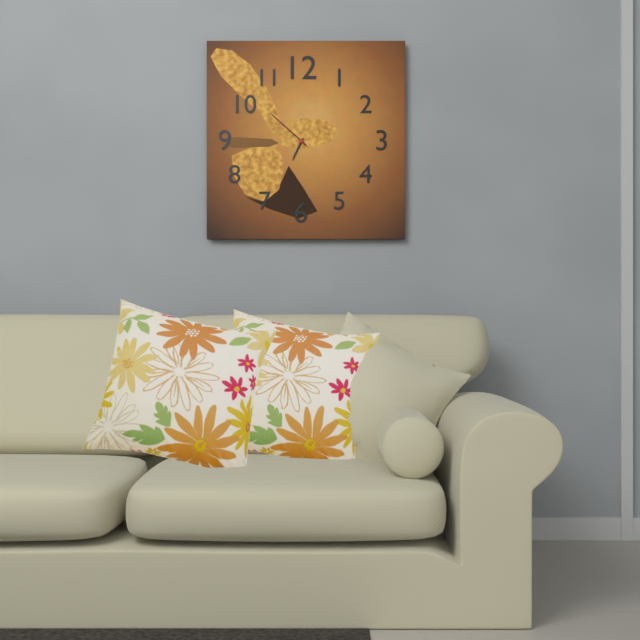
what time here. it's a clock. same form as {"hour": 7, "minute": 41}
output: {"hour": 6, "minute": 52}
